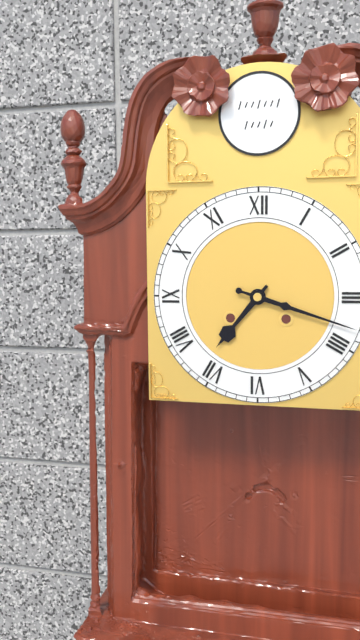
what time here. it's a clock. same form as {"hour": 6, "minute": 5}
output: {"hour": 7, "minute": 18}
